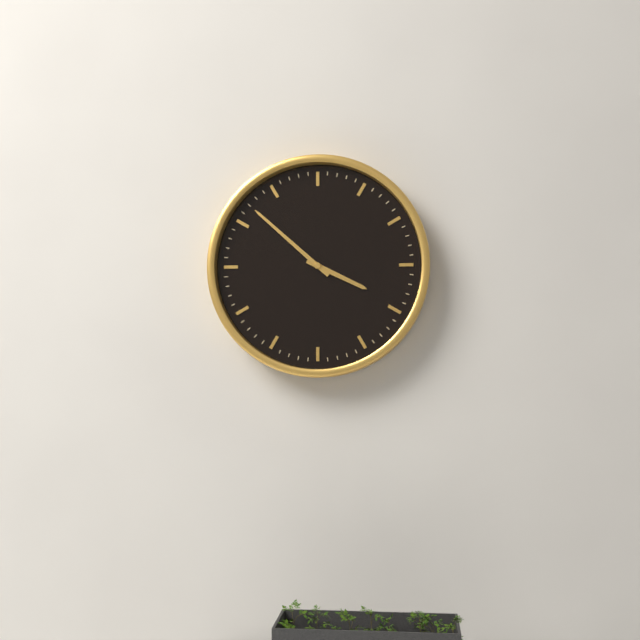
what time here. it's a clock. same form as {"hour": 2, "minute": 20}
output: {"hour": 3, "minute": 52}
